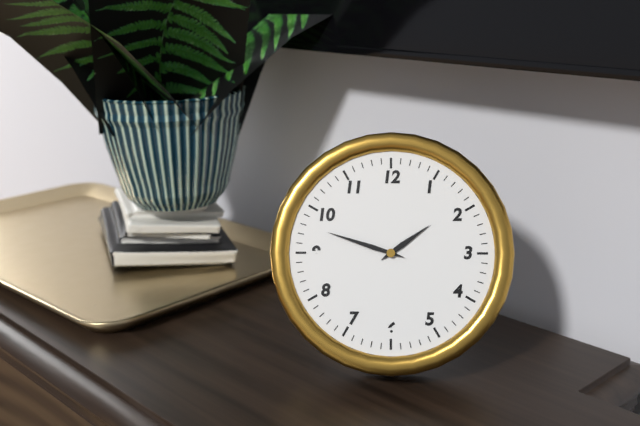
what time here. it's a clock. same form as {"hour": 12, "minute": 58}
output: {"hour": 1, "minute": 48}
